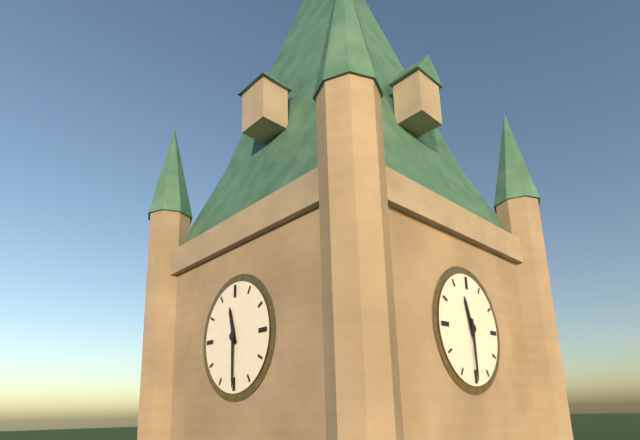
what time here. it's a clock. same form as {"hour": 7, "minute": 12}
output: {"hour": 11, "minute": 30}
